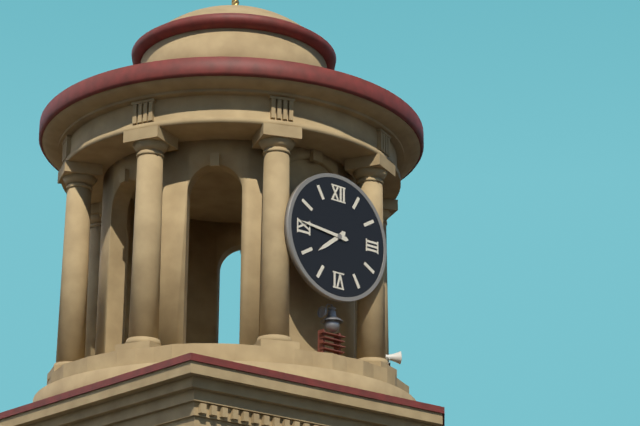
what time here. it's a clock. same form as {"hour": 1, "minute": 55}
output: {"hour": 7, "minute": 46}
